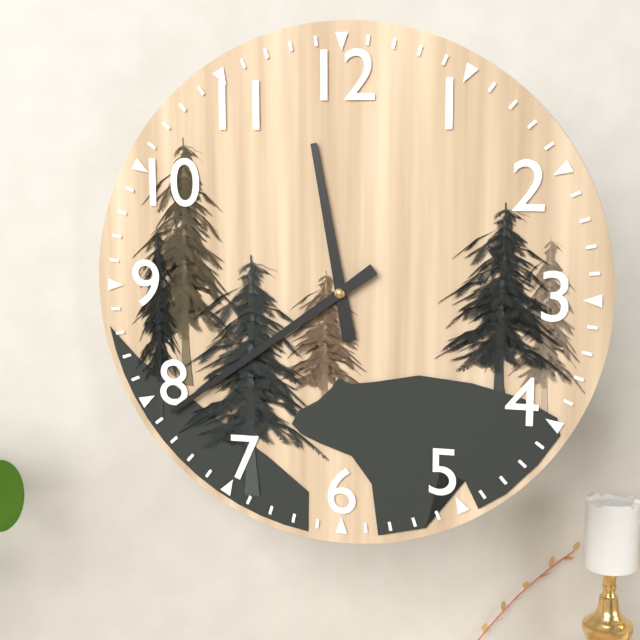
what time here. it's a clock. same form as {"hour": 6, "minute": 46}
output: {"hour": 11, "minute": 39}
